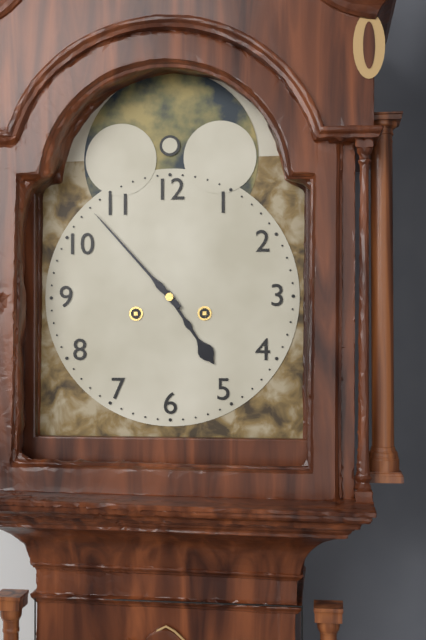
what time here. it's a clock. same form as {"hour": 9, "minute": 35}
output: {"hour": 4, "minute": 53}
